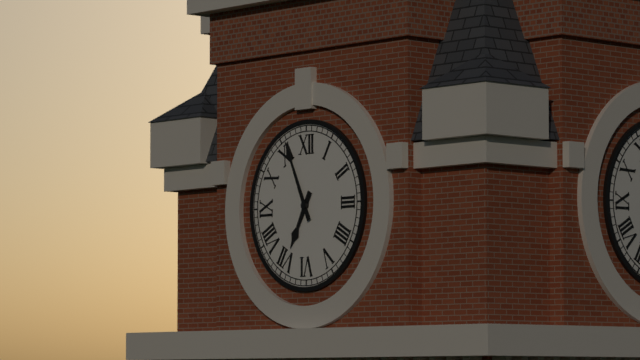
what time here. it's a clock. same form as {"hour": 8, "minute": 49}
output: {"hour": 6, "minute": 56}
